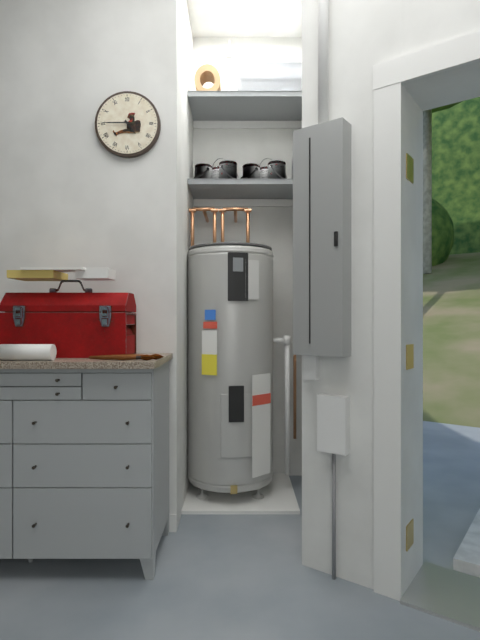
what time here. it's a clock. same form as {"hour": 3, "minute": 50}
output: {"hour": 4, "minute": 45}
